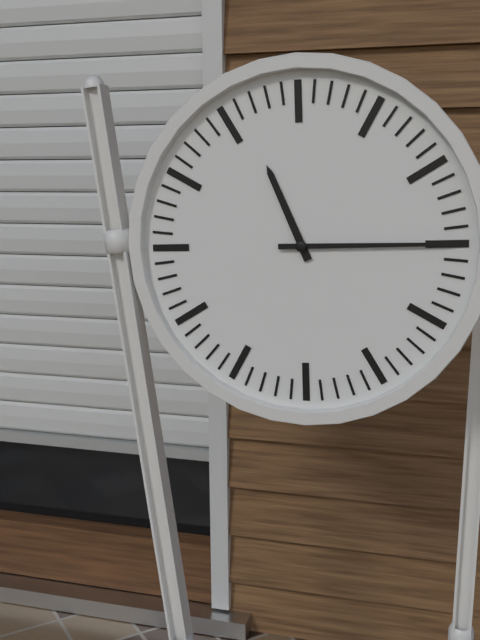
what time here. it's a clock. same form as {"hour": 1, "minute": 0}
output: {"hour": 11, "minute": 15}
